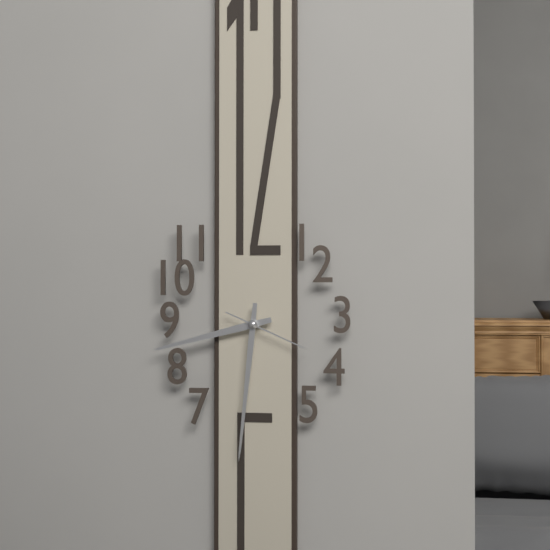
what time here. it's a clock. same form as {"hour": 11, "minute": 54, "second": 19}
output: {"hour": 8, "minute": 31, "second": 19}
